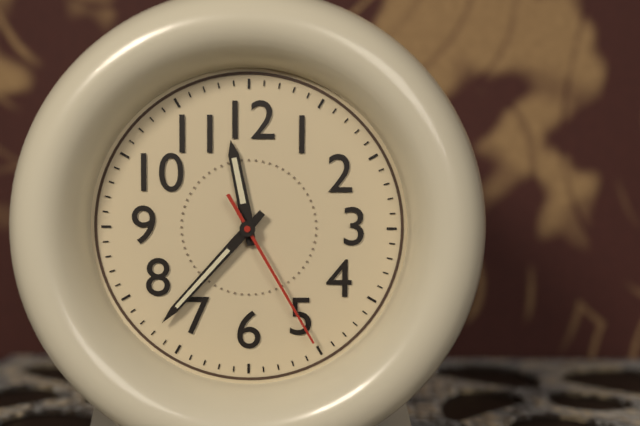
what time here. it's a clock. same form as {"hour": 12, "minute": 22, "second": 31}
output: {"hour": 11, "minute": 37, "second": 25}
